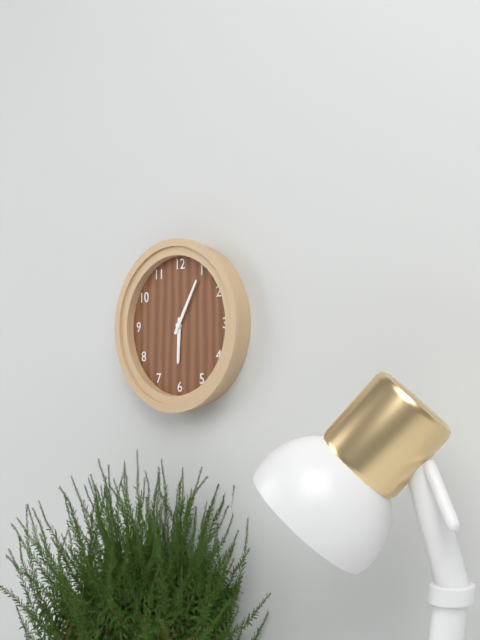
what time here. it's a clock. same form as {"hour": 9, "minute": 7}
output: {"hour": 6, "minute": 5}
